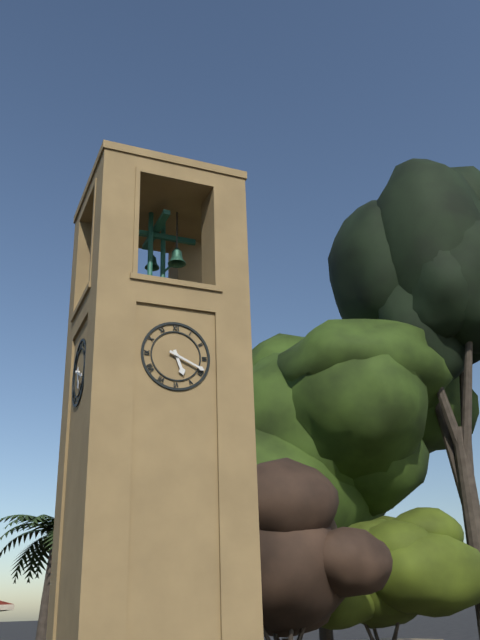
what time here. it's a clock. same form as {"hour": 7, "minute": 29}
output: {"hour": 5, "minute": 19}
